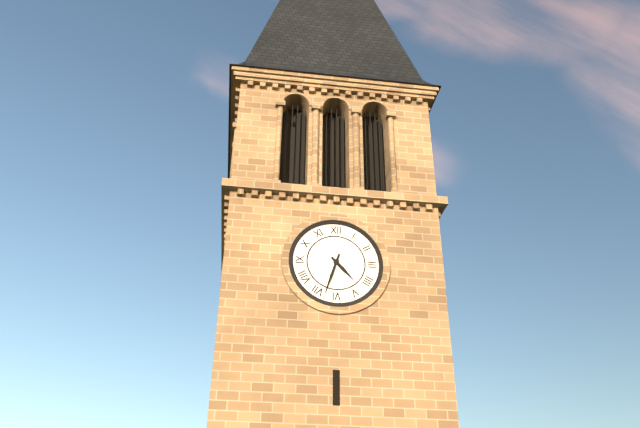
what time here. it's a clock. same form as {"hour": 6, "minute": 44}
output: {"hour": 4, "minute": 33}
